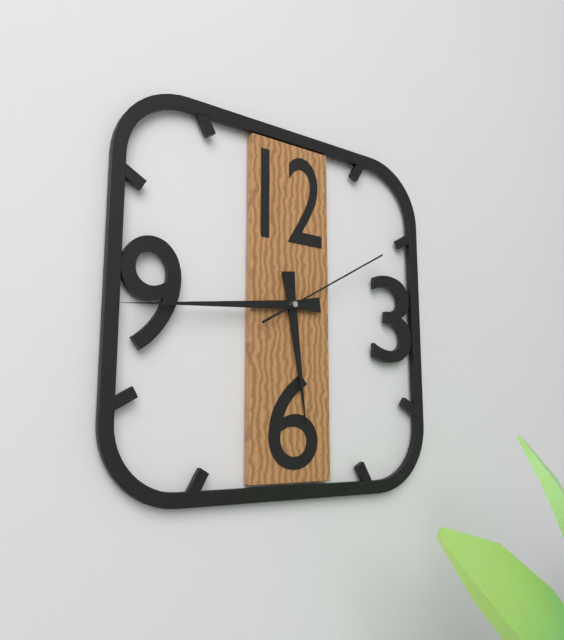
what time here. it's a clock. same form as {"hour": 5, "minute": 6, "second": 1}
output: {"hour": 5, "minute": 44, "second": 10}
